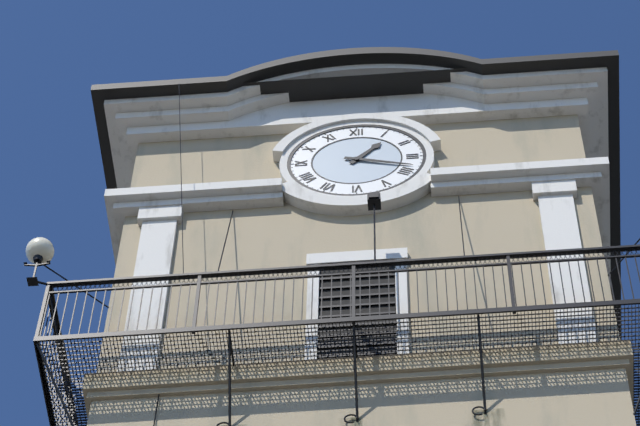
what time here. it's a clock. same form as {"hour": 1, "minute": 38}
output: {"hour": 1, "minute": 18}
